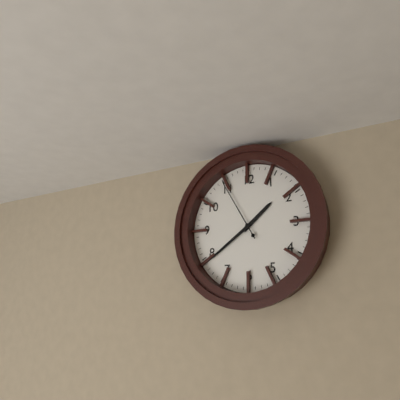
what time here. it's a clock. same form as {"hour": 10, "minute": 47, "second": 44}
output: {"hour": 1, "minute": 39, "second": 55}
